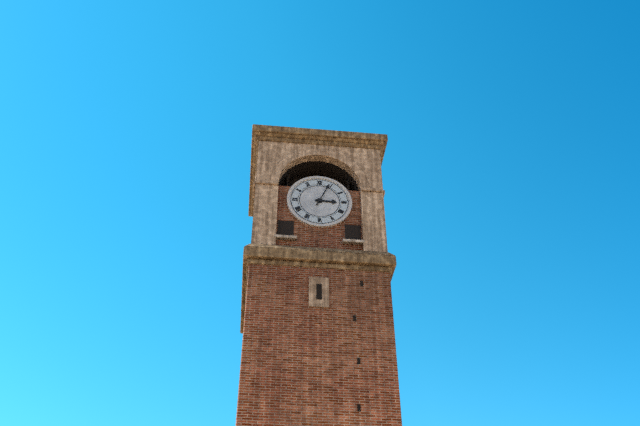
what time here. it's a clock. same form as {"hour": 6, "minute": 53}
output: {"hour": 3, "minute": 4}
